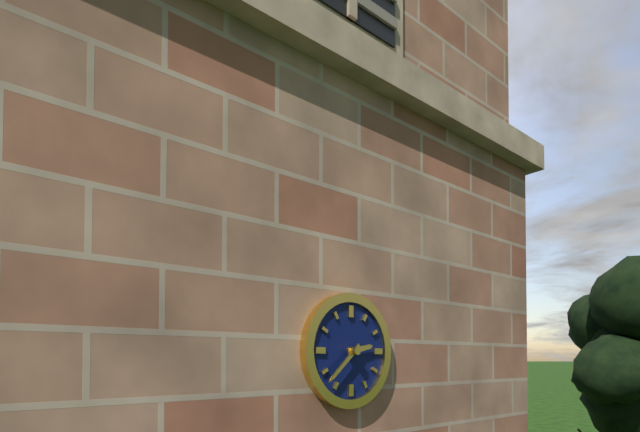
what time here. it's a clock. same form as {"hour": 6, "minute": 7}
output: {"hour": 2, "minute": 38}
